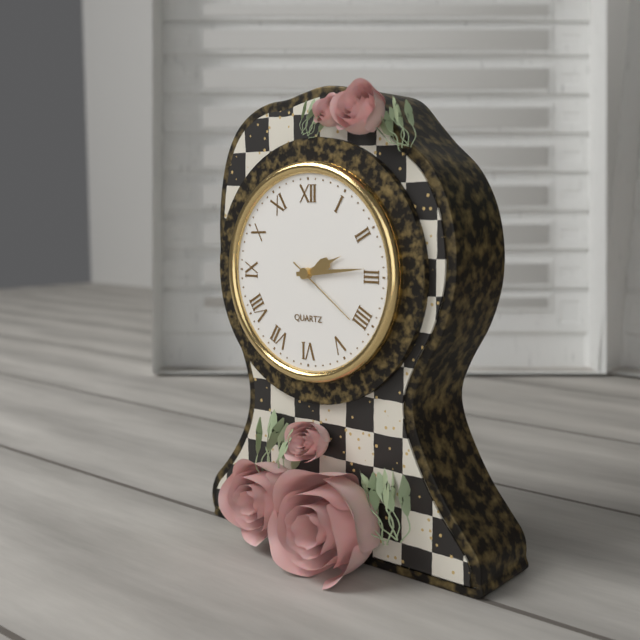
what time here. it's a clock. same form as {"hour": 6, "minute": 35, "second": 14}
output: {"hour": 2, "minute": 14, "second": 21}
